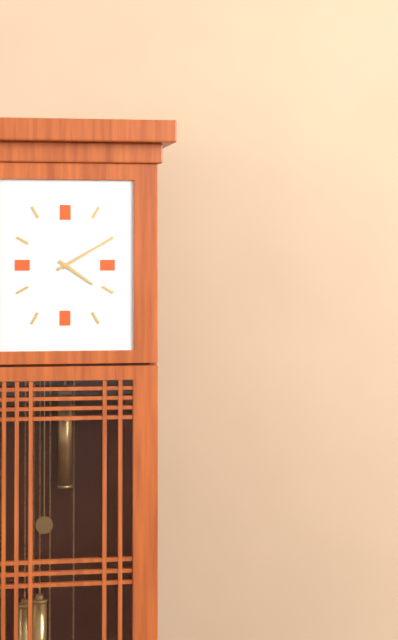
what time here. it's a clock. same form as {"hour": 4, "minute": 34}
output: {"hour": 4, "minute": 10}
